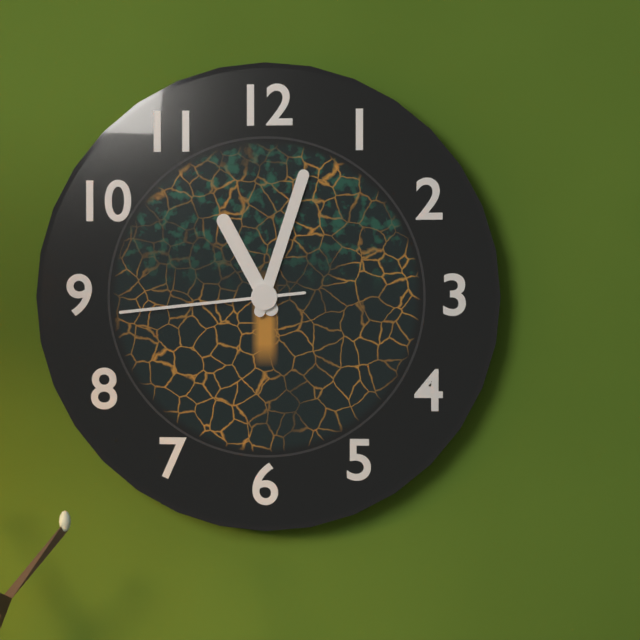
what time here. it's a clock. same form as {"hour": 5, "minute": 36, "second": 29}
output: {"hour": 11, "minute": 3, "second": 44}
